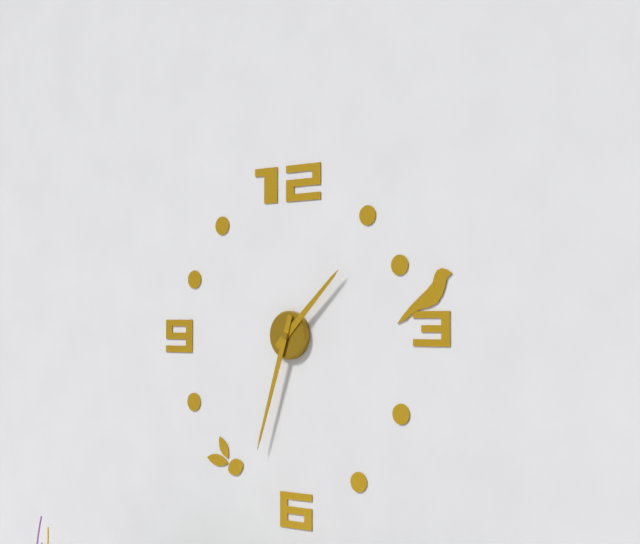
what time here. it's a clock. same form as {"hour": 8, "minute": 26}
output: {"hour": 1, "minute": 33}
